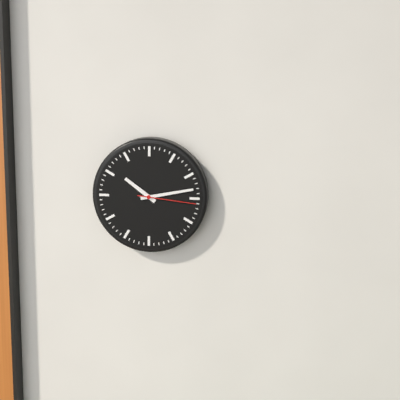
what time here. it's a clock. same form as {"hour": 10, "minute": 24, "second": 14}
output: {"hour": 10, "minute": 13, "second": 16}
